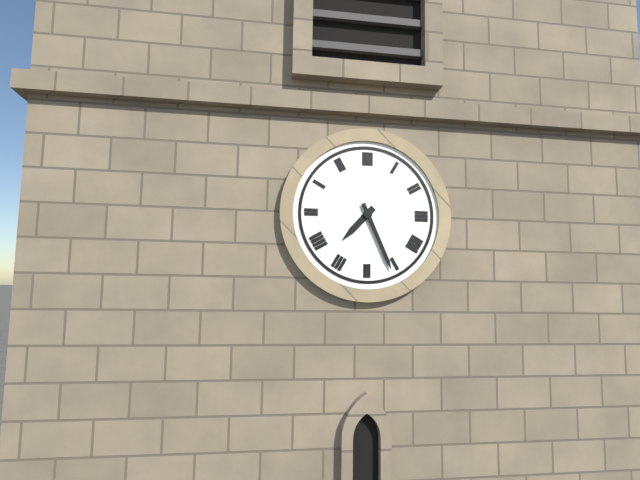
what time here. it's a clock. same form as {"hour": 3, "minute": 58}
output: {"hour": 7, "minute": 26}
